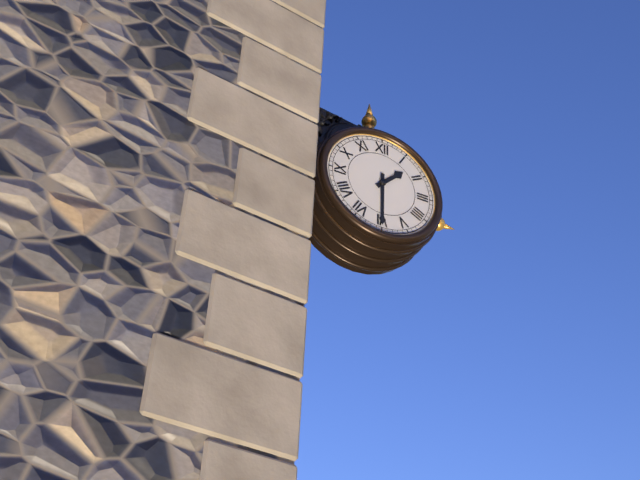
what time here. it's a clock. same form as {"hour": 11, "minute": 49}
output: {"hour": 1, "minute": 30}
